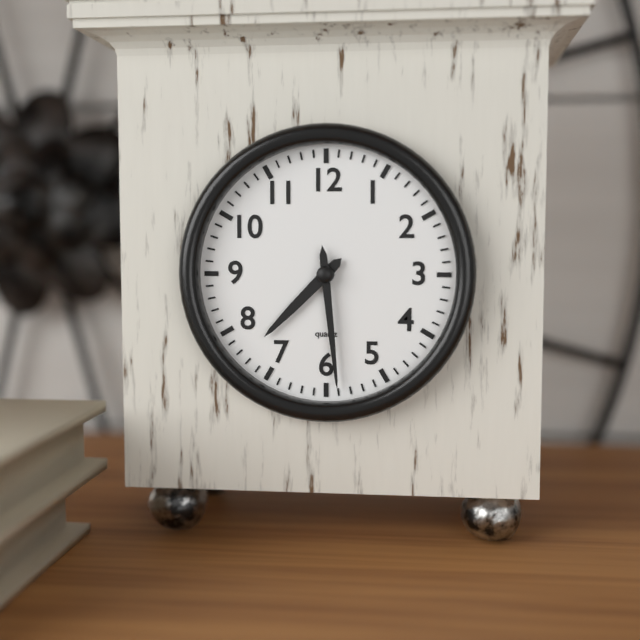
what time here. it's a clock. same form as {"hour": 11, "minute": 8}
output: {"hour": 7, "minute": 29}
